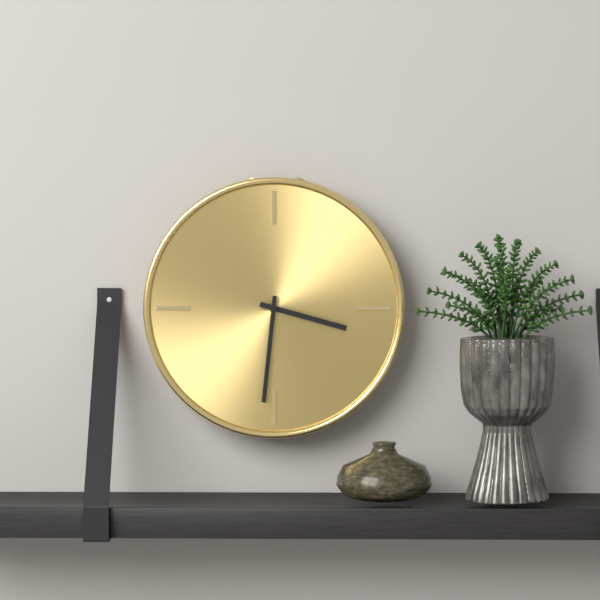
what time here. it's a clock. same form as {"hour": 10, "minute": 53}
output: {"hour": 3, "minute": 31}
